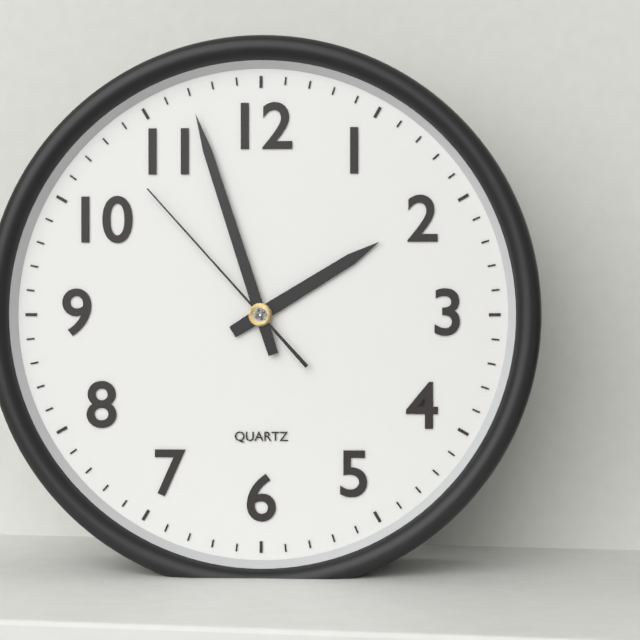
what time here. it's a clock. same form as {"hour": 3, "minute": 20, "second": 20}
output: {"hour": 1, "minute": 57, "second": 53}
